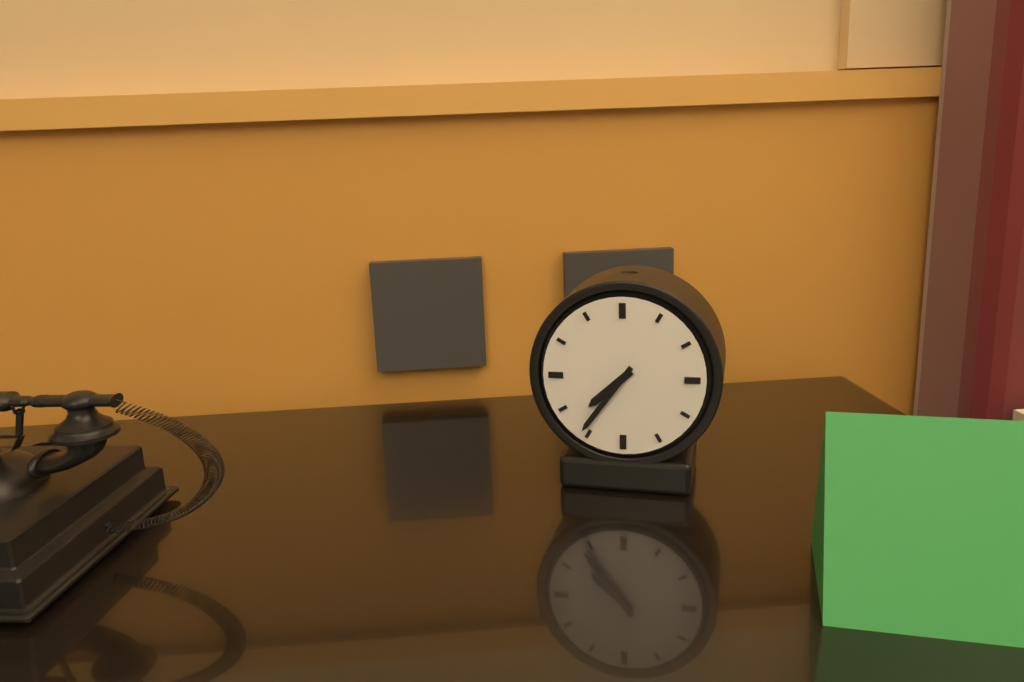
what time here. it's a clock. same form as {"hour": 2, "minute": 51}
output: {"hour": 7, "minute": 36}
